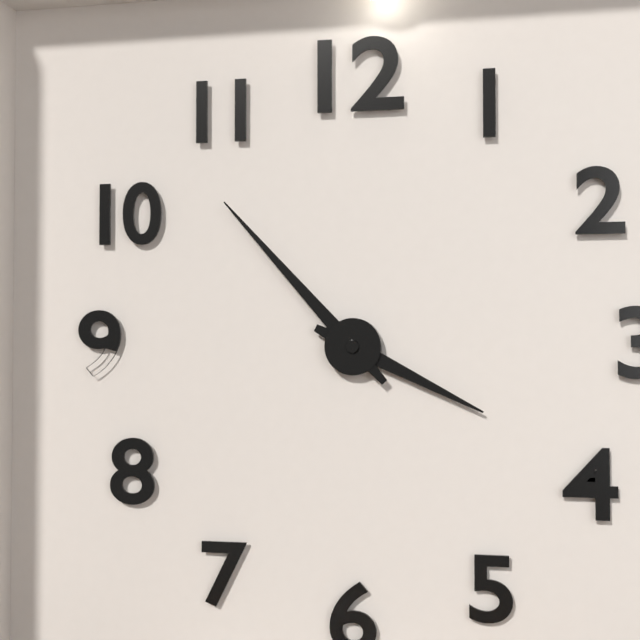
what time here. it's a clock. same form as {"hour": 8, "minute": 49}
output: {"hour": 3, "minute": 53}
